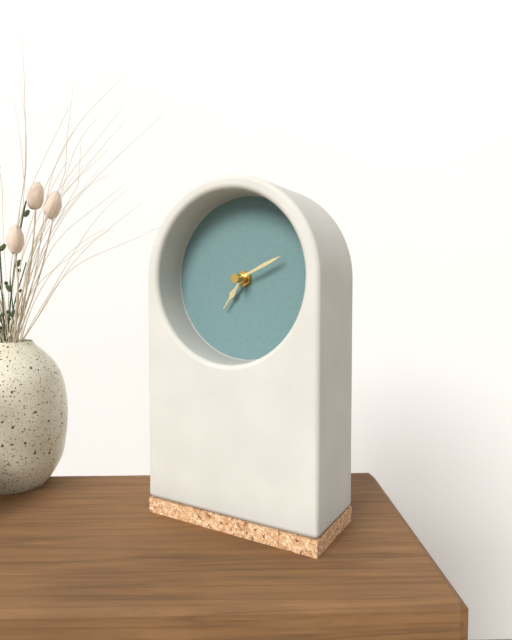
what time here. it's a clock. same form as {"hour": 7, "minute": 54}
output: {"hour": 7, "minute": 11}
